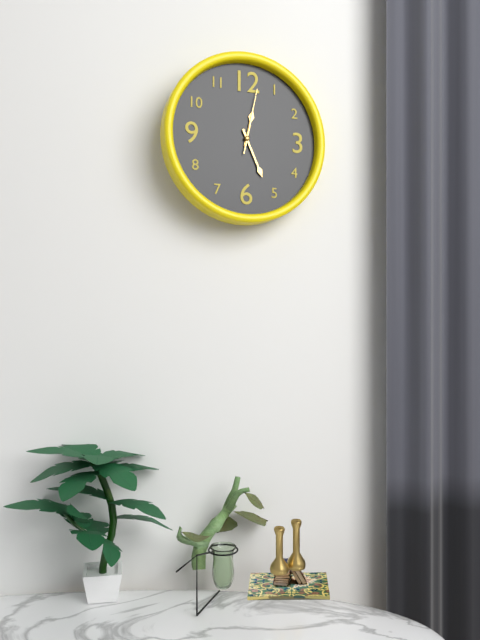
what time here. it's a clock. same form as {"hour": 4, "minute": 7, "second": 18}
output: {"hour": 12, "minute": 26, "second": 2}
